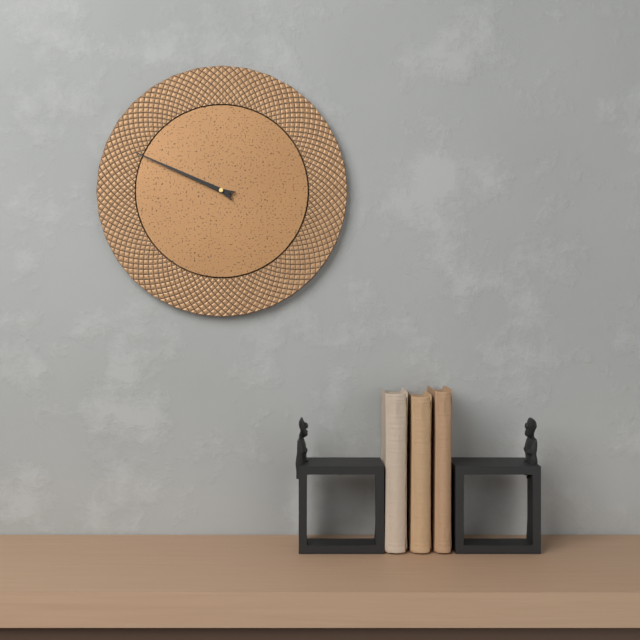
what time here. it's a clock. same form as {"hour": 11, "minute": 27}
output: {"hour": 9, "minute": 49}
